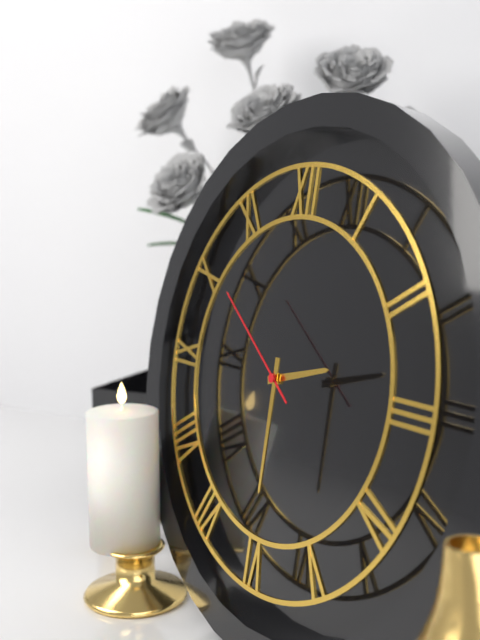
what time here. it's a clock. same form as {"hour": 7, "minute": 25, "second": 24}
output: {"hour": 2, "minute": 30, "second": 51}
